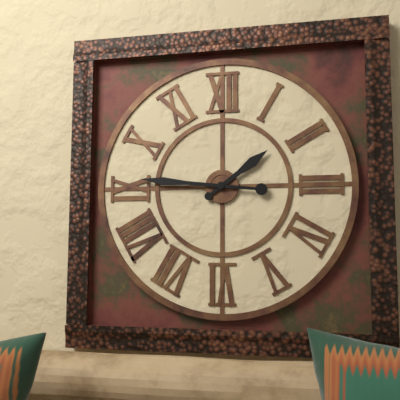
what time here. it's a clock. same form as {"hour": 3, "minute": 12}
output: {"hour": 1, "minute": 46}
